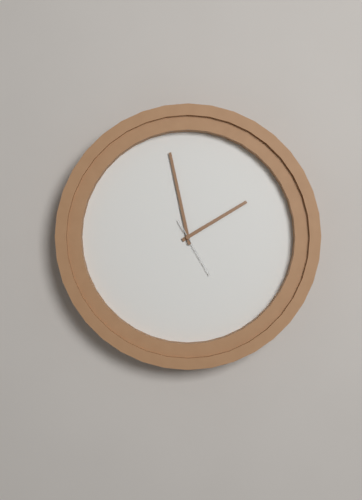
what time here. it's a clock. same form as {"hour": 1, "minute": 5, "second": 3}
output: {"hour": 1, "minute": 58, "second": 25}
